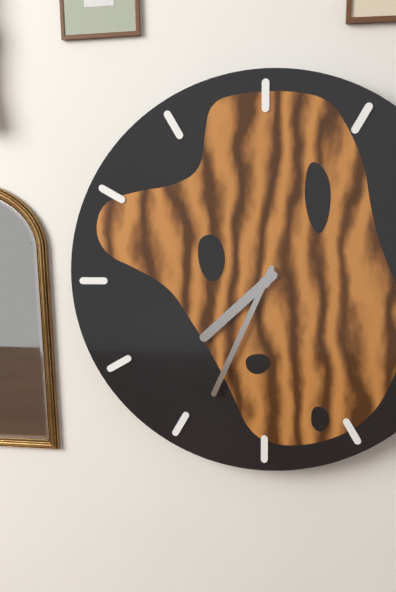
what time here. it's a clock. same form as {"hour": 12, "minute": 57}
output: {"hour": 7, "minute": 34}
